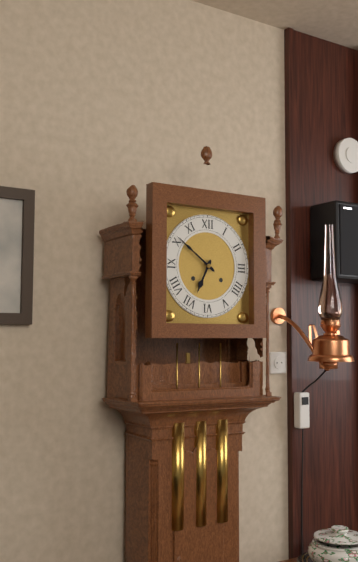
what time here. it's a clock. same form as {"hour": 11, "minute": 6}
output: {"hour": 6, "minute": 51}
